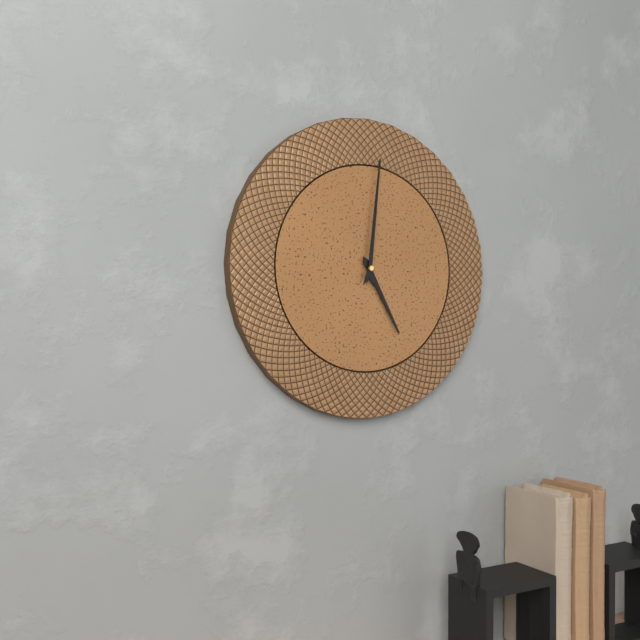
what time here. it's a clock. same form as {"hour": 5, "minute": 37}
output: {"hour": 5, "minute": 1}
